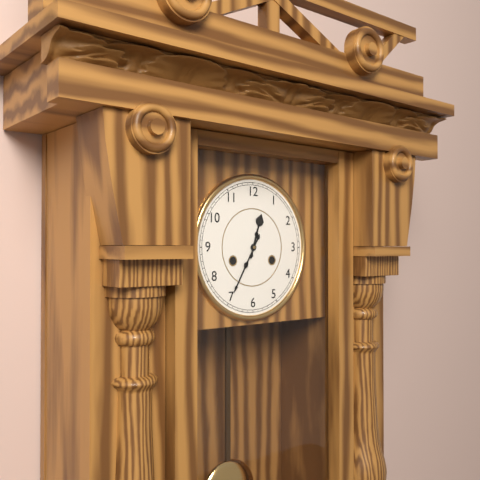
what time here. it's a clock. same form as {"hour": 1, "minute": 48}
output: {"hour": 12, "minute": 35}
